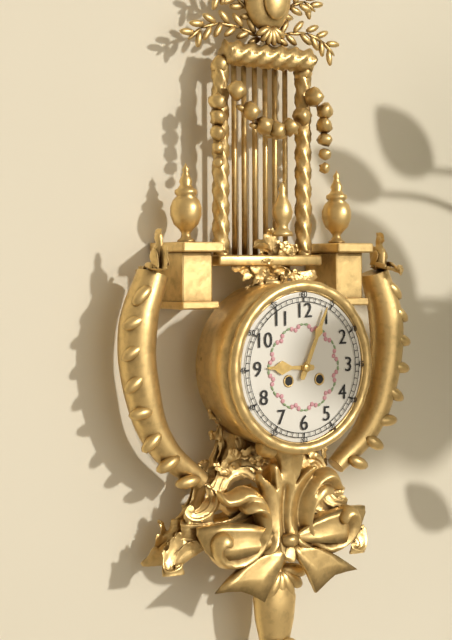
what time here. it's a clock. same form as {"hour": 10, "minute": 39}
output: {"hour": 9, "minute": 4}
